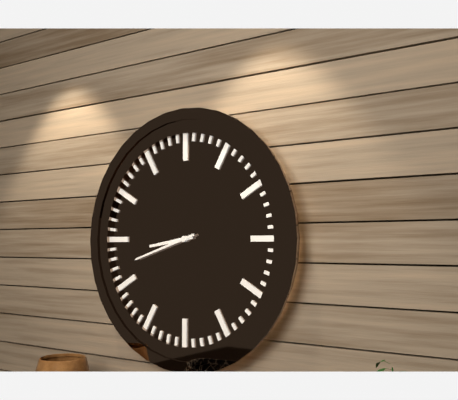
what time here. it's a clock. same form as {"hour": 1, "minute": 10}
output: {"hour": 8, "minute": 42}
